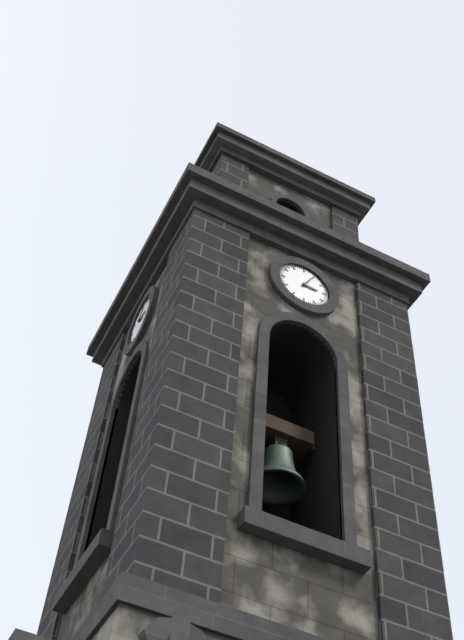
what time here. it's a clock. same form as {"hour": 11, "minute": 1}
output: {"hour": 3, "minute": 5}
